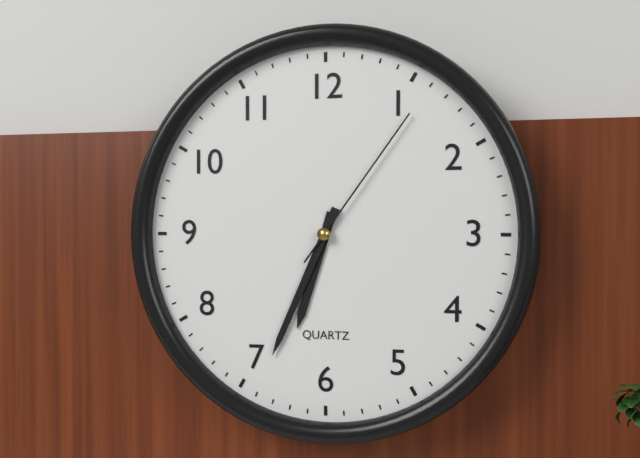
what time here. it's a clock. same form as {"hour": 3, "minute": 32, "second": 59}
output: {"hour": 6, "minute": 34, "second": 6}
